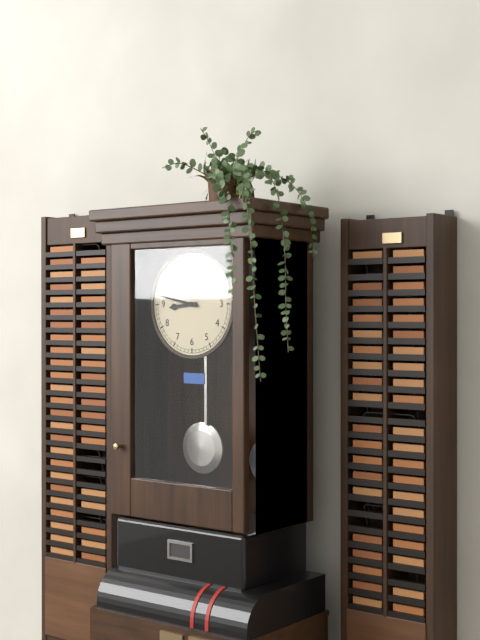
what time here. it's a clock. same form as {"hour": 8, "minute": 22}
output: {"hour": 8, "minute": 47}
